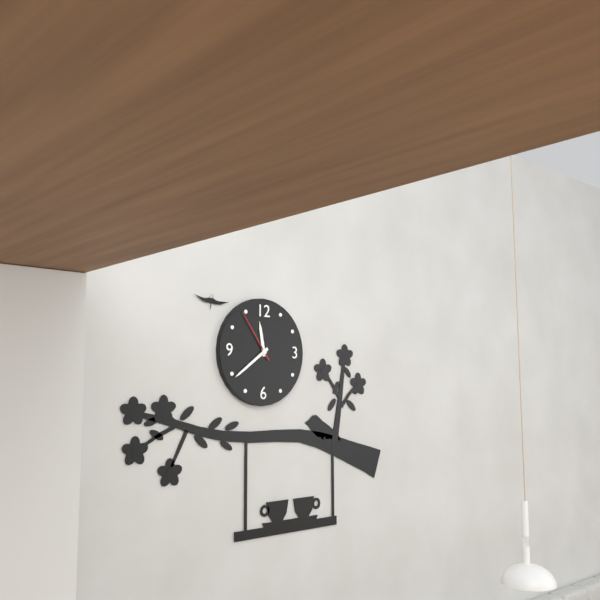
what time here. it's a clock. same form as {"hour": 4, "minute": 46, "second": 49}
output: {"hour": 11, "minute": 39, "second": 54}
